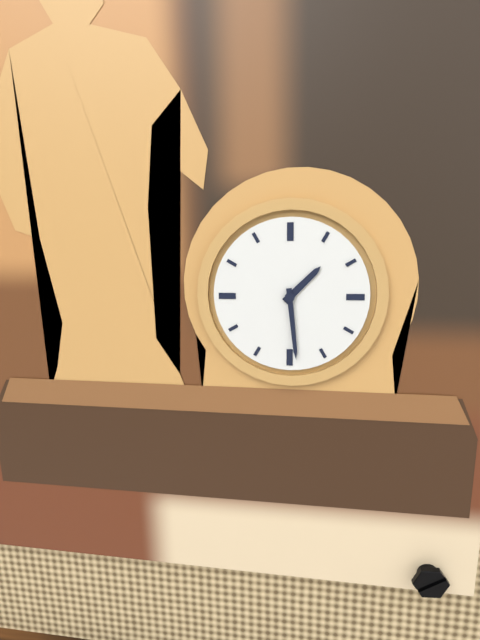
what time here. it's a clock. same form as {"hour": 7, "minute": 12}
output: {"hour": 1, "minute": 29}
